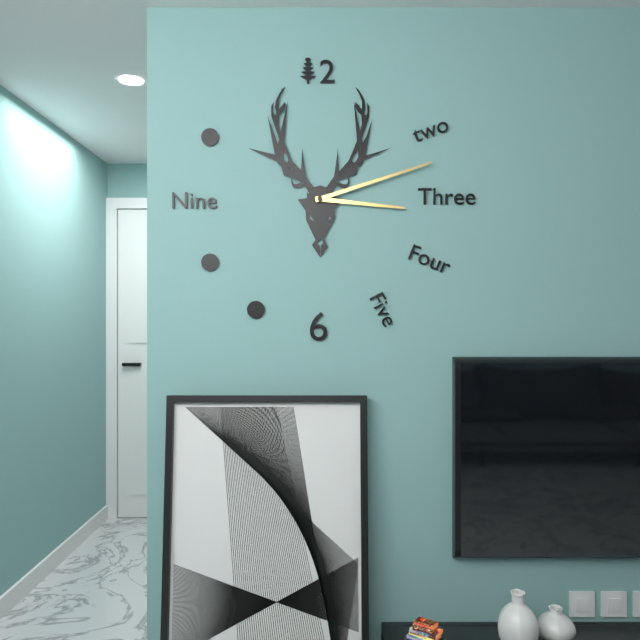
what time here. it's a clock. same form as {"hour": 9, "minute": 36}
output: {"hour": 3, "minute": 12}
